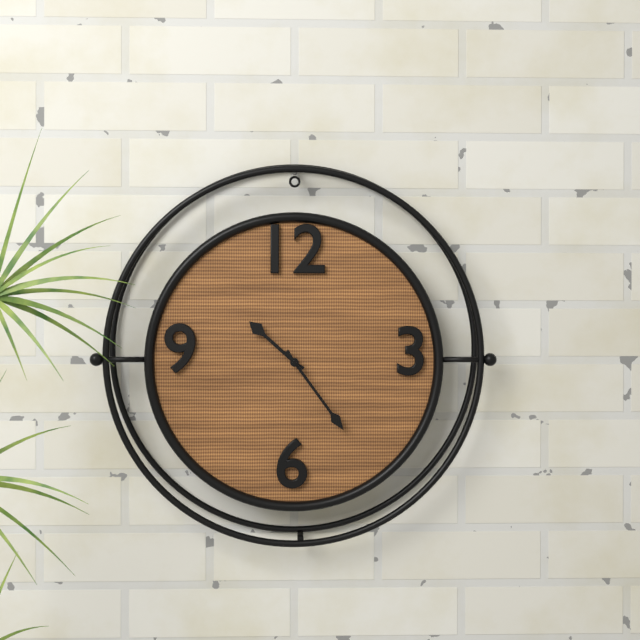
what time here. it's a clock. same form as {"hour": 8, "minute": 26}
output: {"hour": 10, "minute": 24}
